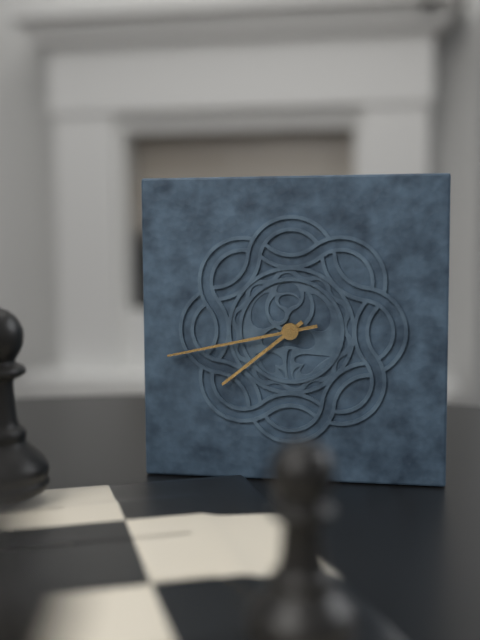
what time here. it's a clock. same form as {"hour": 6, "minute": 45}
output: {"hour": 7, "minute": 43}
